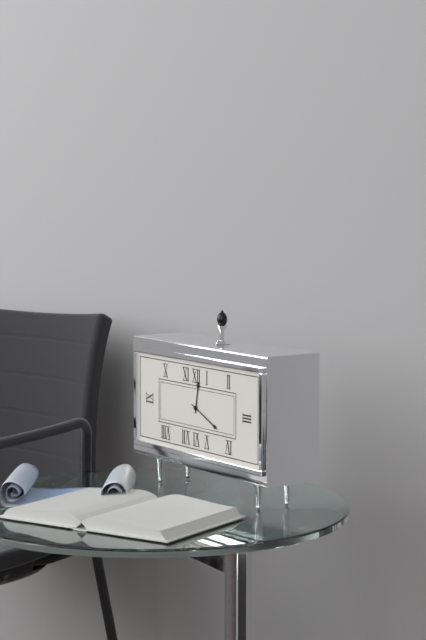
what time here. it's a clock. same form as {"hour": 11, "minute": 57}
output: {"hour": 12, "minute": 19}
